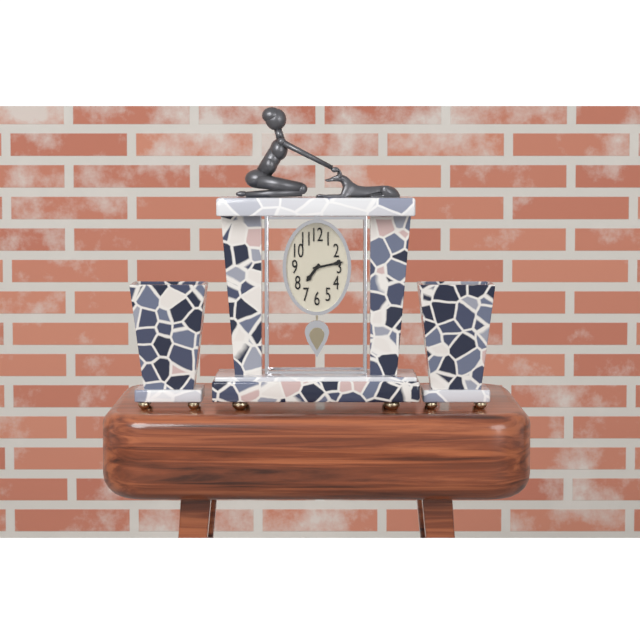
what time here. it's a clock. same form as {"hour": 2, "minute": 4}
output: {"hour": 7, "minute": 13}
